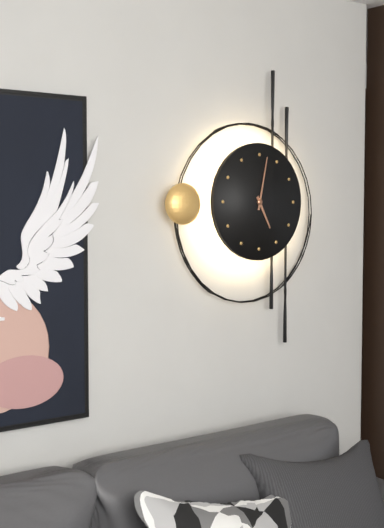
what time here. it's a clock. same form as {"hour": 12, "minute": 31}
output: {"hour": 5, "minute": 2}
